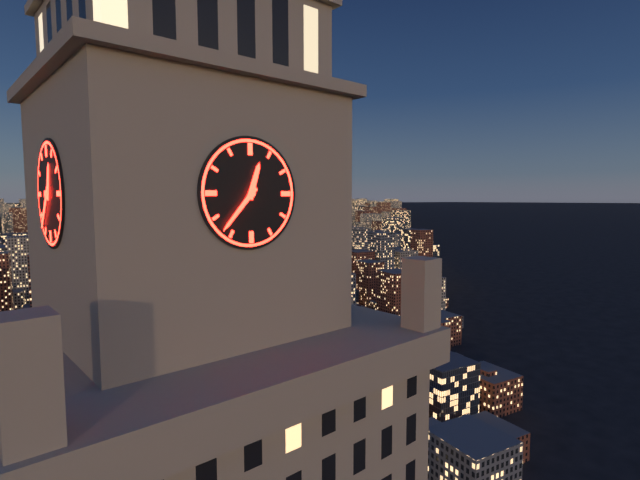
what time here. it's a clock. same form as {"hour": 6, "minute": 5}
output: {"hour": 12, "minute": 37}
